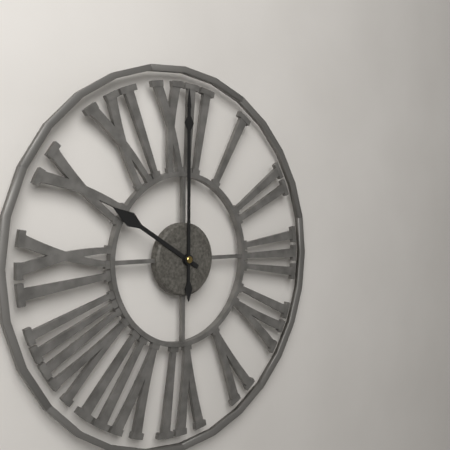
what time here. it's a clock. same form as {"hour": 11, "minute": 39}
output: {"hour": 10, "minute": 0}
